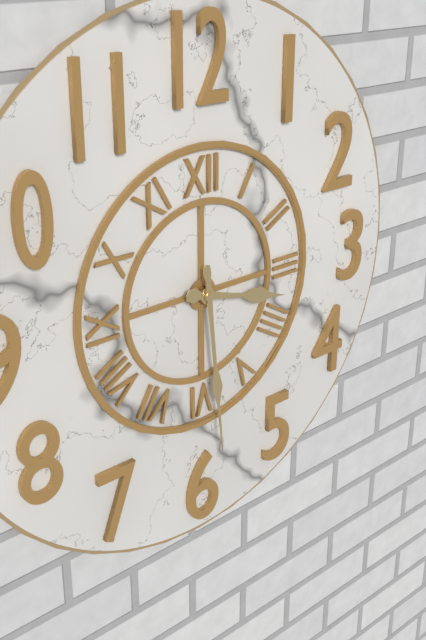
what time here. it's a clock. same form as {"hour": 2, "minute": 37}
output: {"hour": 3, "minute": 29}
